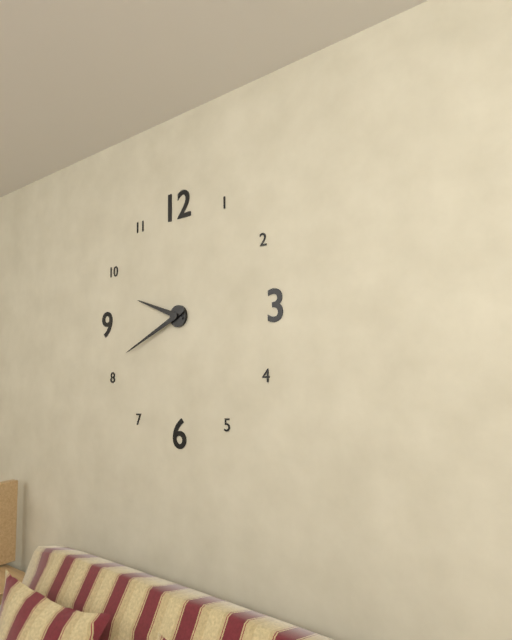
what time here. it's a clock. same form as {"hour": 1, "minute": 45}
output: {"hour": 9, "minute": 41}
